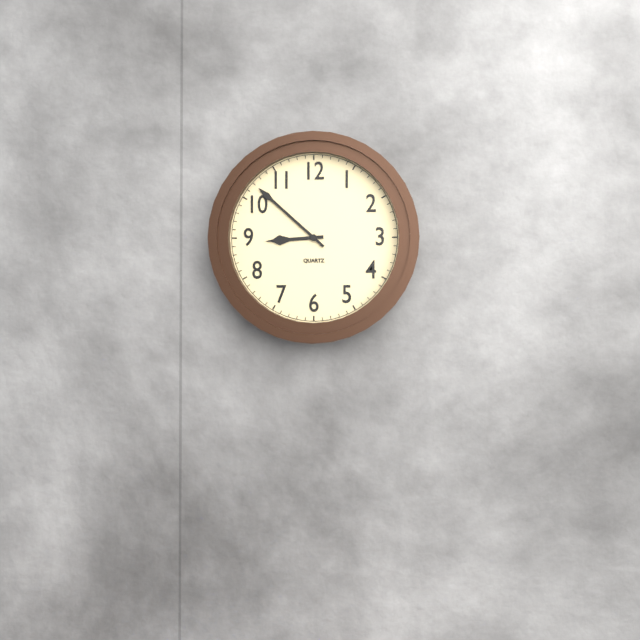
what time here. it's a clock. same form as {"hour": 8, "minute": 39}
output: {"hour": 8, "minute": 52}
